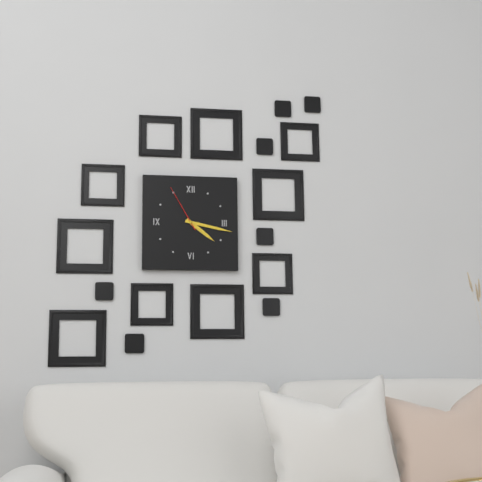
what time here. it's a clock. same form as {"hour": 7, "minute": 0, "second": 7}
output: {"hour": 4, "minute": 17, "second": 55}
